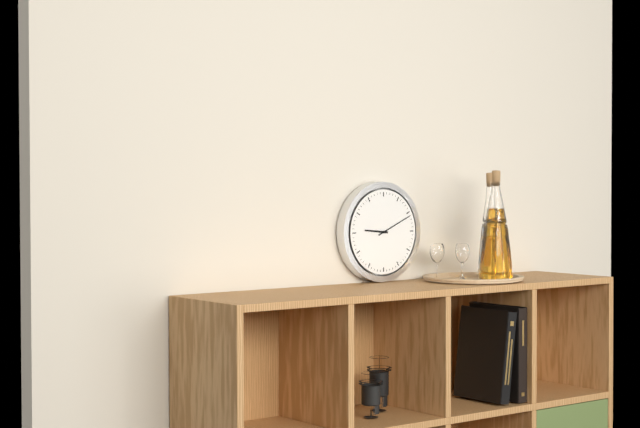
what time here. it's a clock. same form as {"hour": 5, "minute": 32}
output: {"hour": 9, "minute": 11}
